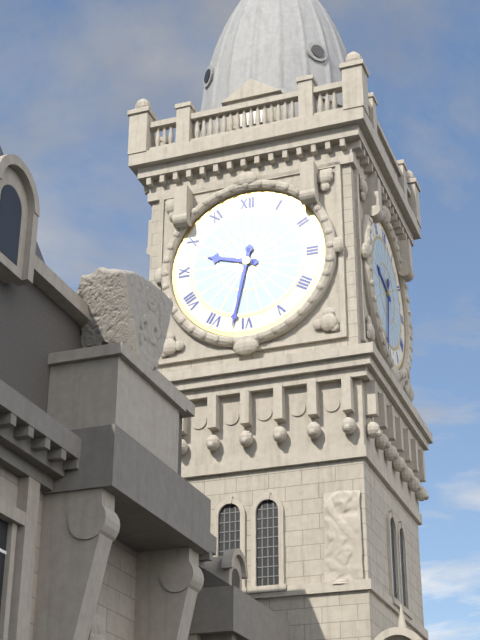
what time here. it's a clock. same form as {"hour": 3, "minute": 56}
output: {"hour": 9, "minute": 32}
